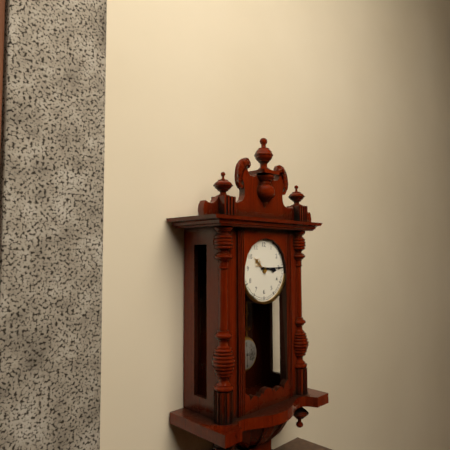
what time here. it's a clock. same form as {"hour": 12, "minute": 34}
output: {"hour": 3, "minute": 15}
